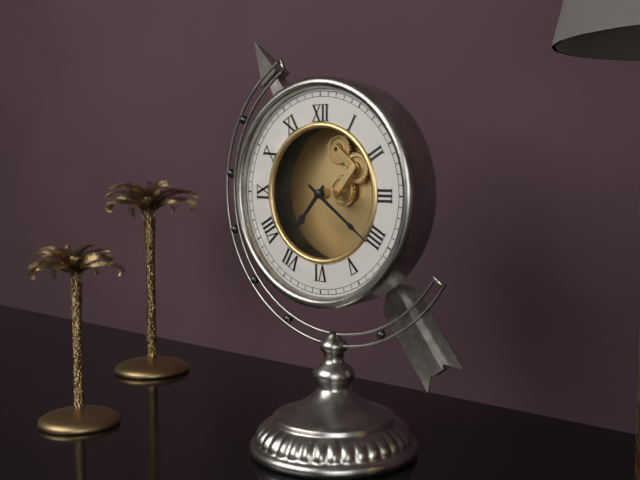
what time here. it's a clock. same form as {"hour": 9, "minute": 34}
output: {"hour": 7, "minute": 21}
